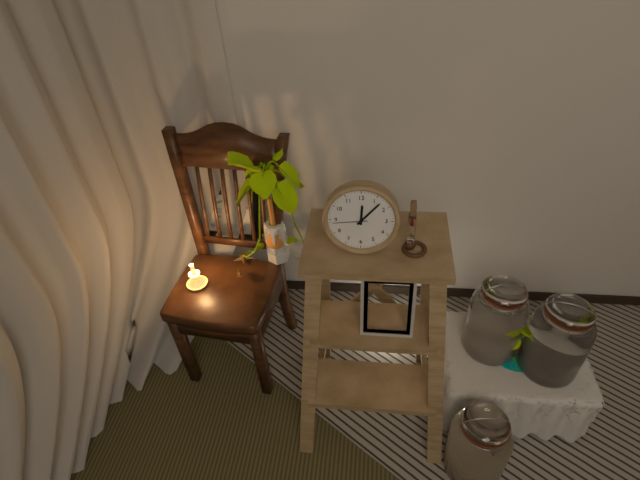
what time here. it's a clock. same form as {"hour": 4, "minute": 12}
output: {"hour": 12, "minute": 7}
